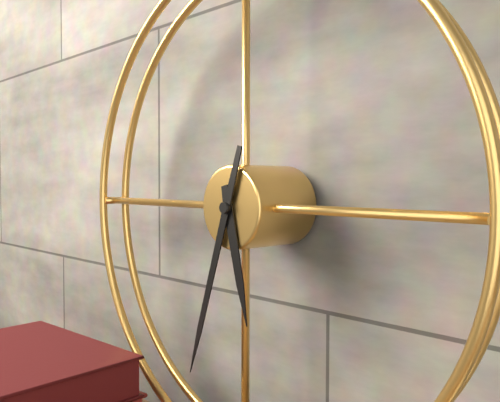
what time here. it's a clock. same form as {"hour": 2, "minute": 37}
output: {"hour": 5, "minute": 33}
